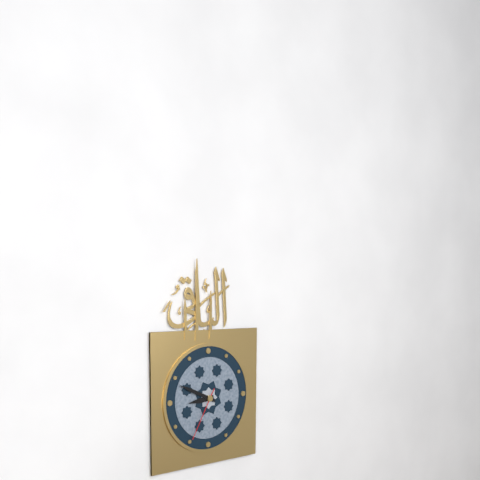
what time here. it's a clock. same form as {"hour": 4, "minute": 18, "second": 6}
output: {"hour": 8, "minute": 49, "second": 35}
